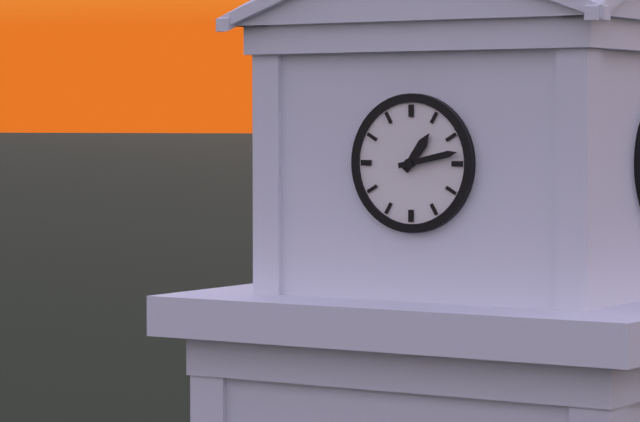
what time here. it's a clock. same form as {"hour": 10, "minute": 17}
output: {"hour": 1, "minute": 13}
